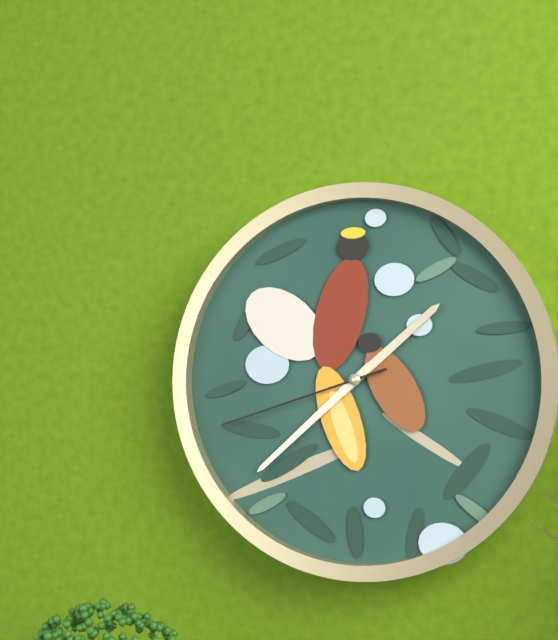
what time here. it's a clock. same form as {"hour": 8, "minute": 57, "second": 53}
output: {"hour": 1, "minute": 38, "second": 42}
